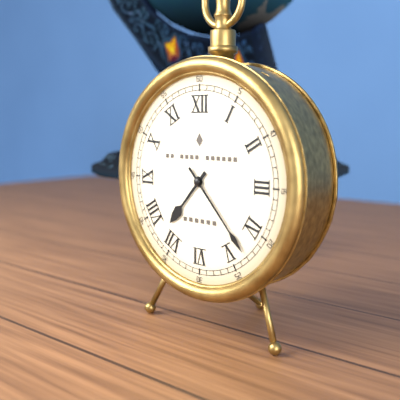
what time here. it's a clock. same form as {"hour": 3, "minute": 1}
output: {"hour": 7, "minute": 23}
